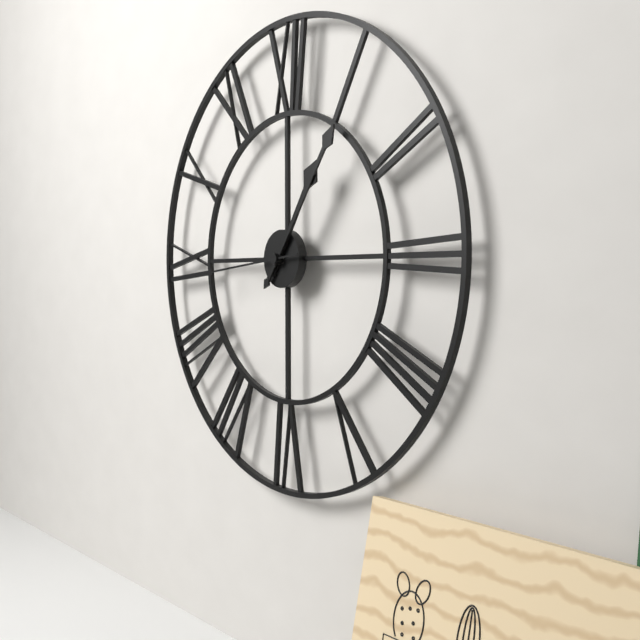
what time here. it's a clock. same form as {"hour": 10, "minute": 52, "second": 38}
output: {"hour": 1, "minute": 6, "second": 44}
